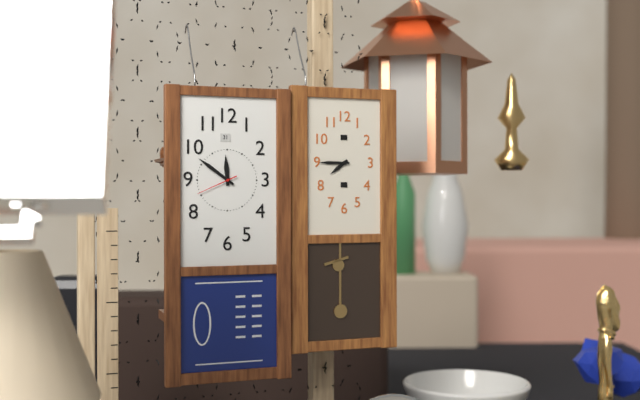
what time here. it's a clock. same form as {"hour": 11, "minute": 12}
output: {"hour": 11, "minute": 51}
